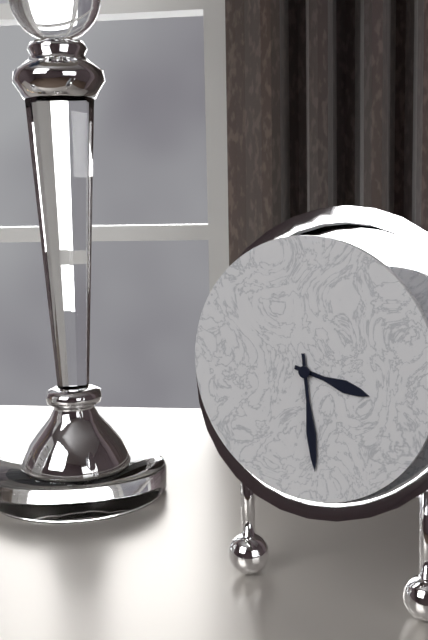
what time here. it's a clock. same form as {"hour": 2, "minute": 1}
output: {"hour": 3, "minute": 29}
